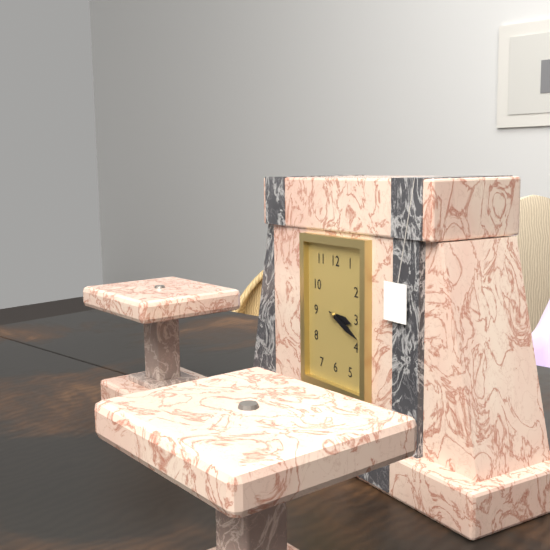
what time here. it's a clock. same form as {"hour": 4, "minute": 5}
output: {"hour": 3, "minute": 19}
